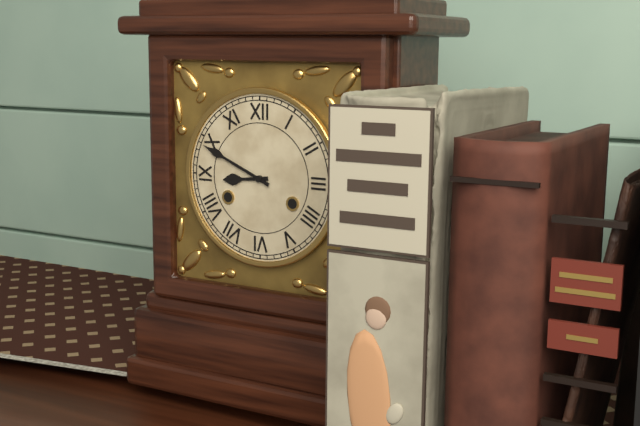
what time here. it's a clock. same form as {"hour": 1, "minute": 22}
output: {"hour": 8, "minute": 49}
